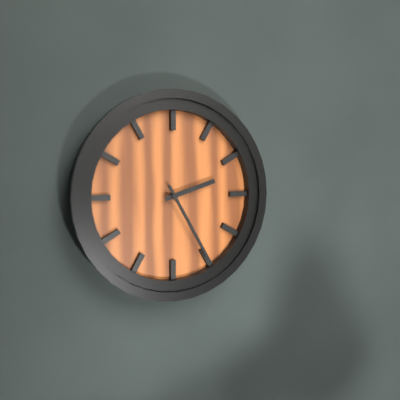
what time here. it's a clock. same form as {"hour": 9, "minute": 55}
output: {"hour": 2, "minute": 25}
